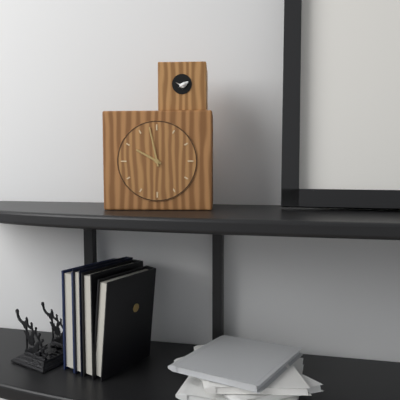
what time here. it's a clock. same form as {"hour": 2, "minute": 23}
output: {"hour": 9, "minute": 58}
